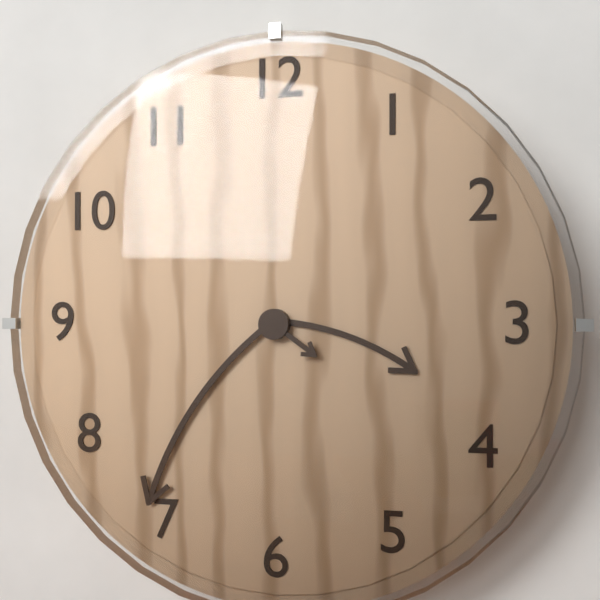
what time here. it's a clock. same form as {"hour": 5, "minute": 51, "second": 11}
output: {"hour": 3, "minute": 36, "second": 21}
